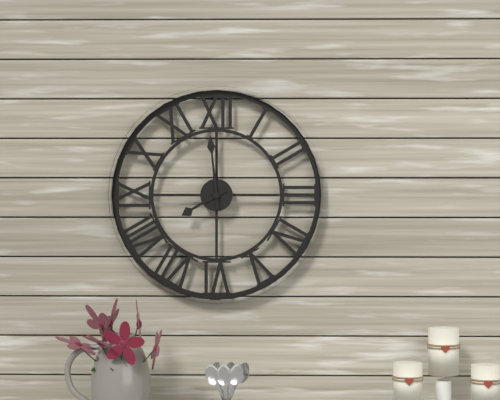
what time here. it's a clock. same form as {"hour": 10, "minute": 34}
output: {"hour": 7, "minute": 59}
